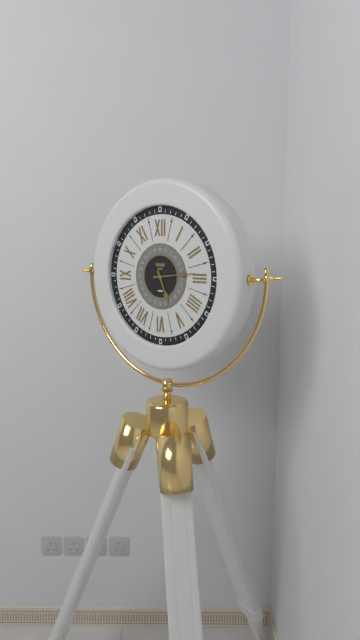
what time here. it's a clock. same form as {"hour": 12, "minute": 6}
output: {"hour": 5, "minute": 14}
